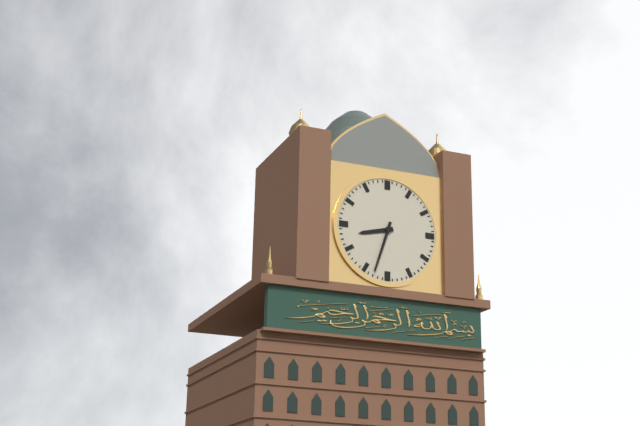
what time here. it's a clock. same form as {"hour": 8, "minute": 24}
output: {"hour": 8, "minute": 33}
